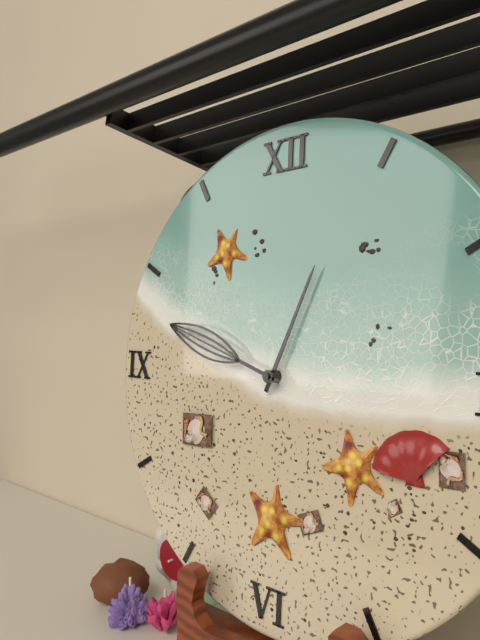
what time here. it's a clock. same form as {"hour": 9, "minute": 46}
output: {"hour": 12, "minute": 48}
